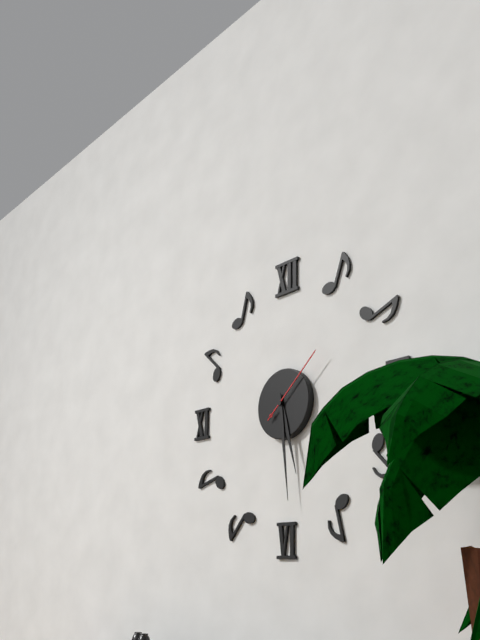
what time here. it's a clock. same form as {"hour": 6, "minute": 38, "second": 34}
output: {"hour": 5, "minute": 29, "second": 8}
